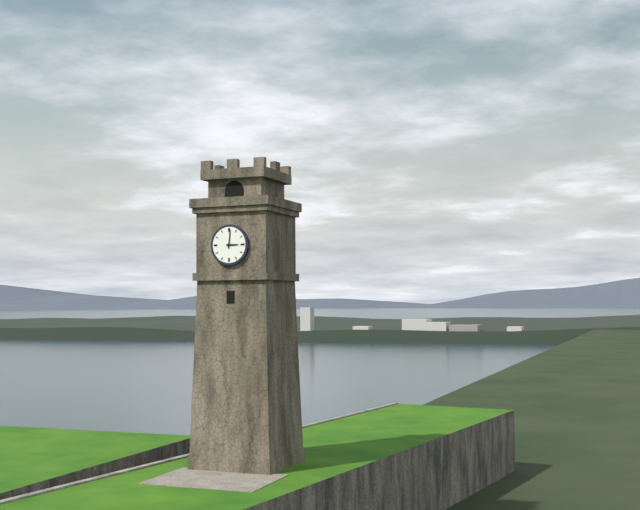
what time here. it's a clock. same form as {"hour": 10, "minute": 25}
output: {"hour": 3, "minute": 1}
